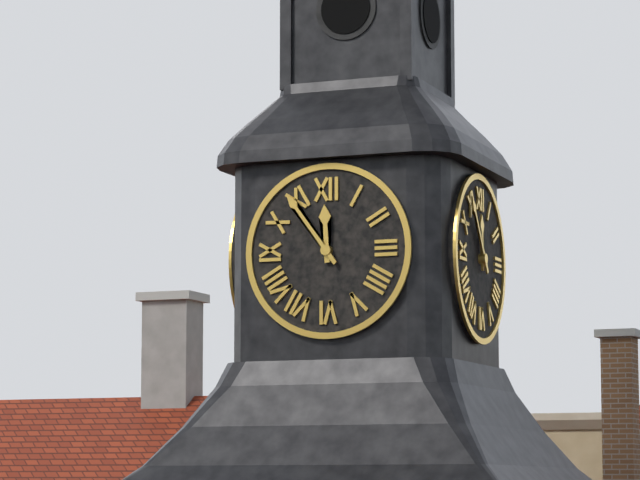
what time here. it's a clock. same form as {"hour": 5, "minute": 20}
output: {"hour": 11, "minute": 54}
